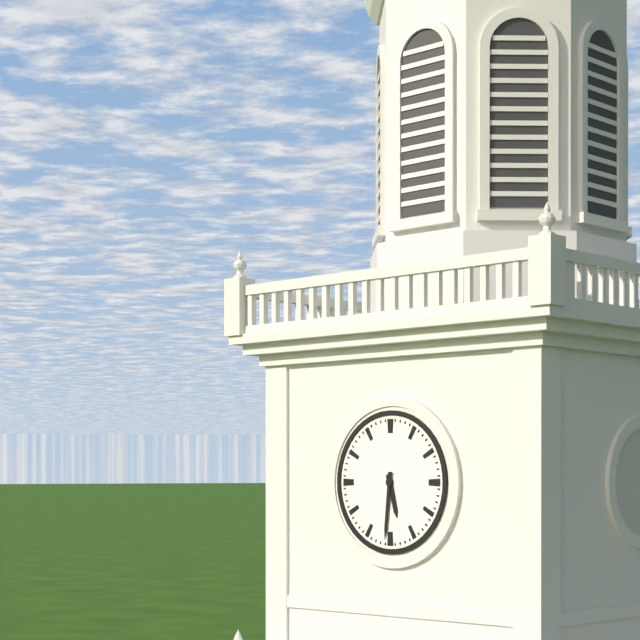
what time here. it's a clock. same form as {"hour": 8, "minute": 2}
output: {"hour": 5, "minute": 31}
